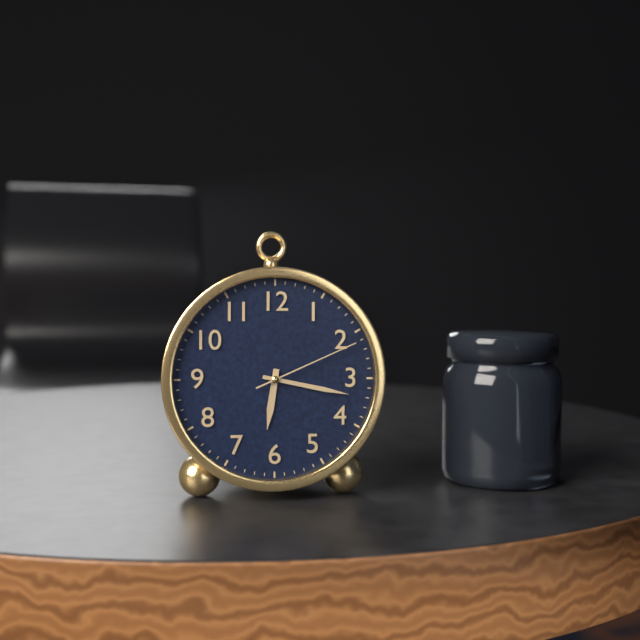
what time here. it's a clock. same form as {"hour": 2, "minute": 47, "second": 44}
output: {"hour": 6, "minute": 17, "second": 11}
